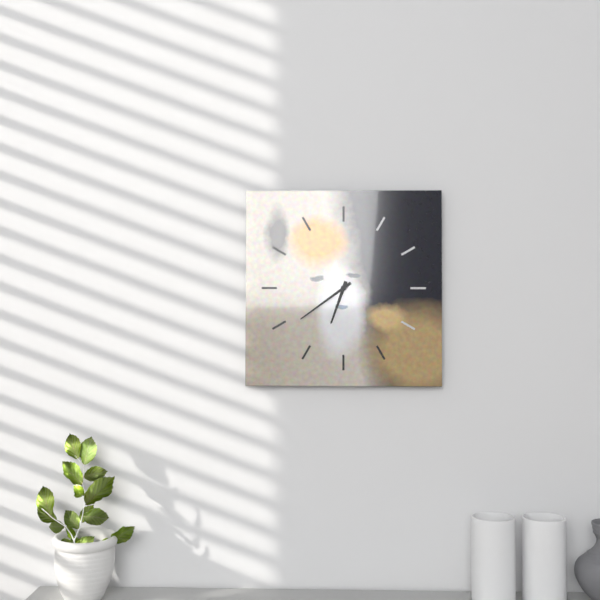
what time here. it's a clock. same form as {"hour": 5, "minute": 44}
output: {"hour": 6, "minute": 39}
